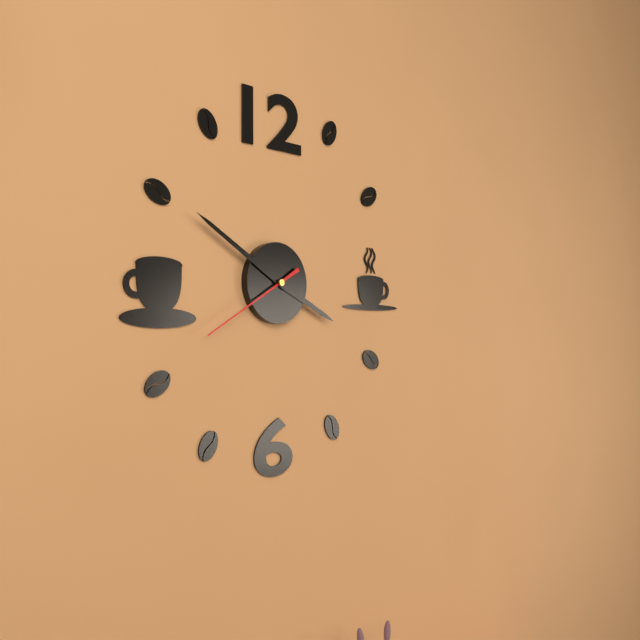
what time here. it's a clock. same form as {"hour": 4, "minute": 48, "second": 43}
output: {"hour": 3, "minute": 50, "second": 40}
